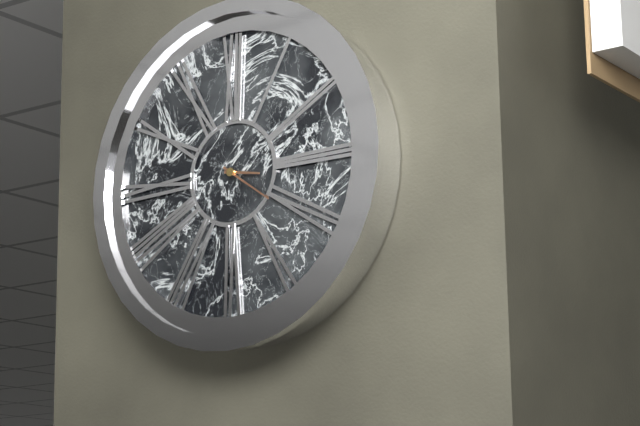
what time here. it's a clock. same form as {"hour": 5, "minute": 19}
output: {"hour": 3, "minute": 21}
